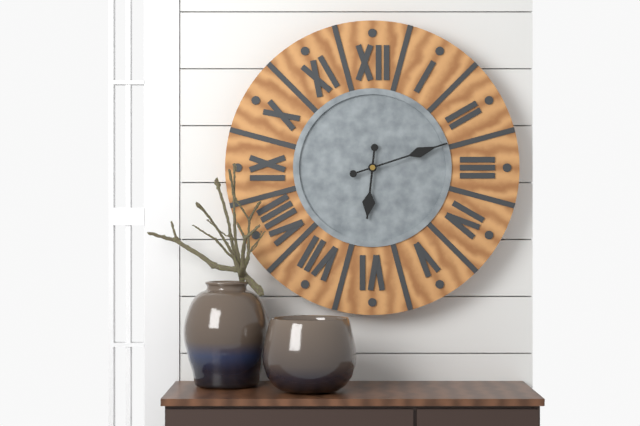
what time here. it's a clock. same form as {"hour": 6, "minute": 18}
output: {"hour": 6, "minute": 12}
